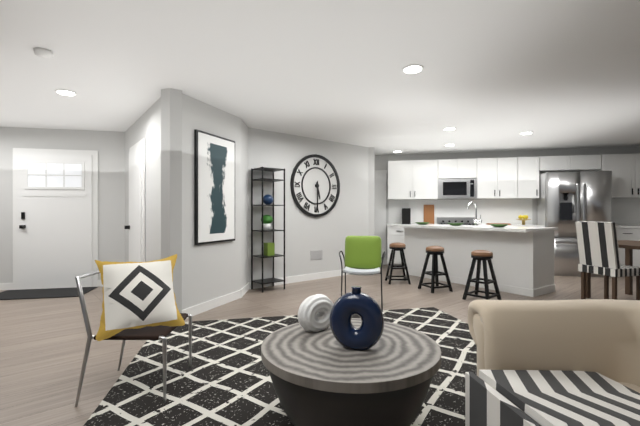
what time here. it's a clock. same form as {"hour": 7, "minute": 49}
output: {"hour": 5, "minute": 30}
